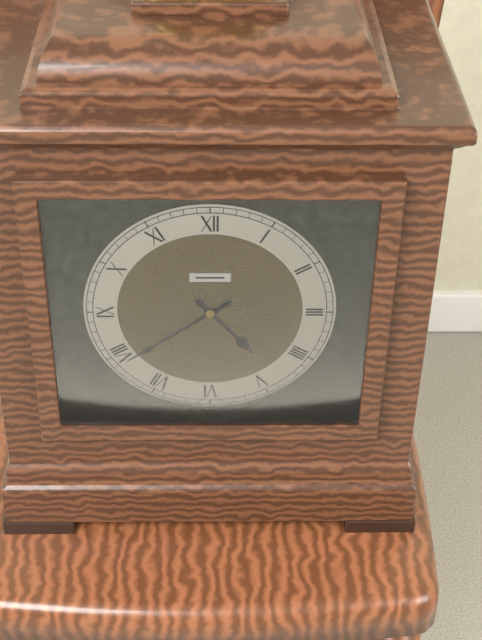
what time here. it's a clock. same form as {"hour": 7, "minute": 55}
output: {"hour": 4, "minute": 39}
